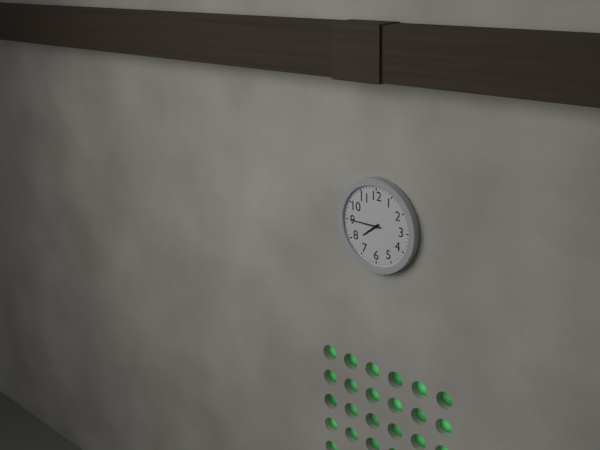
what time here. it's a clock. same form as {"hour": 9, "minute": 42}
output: {"hour": 7, "minute": 45}
